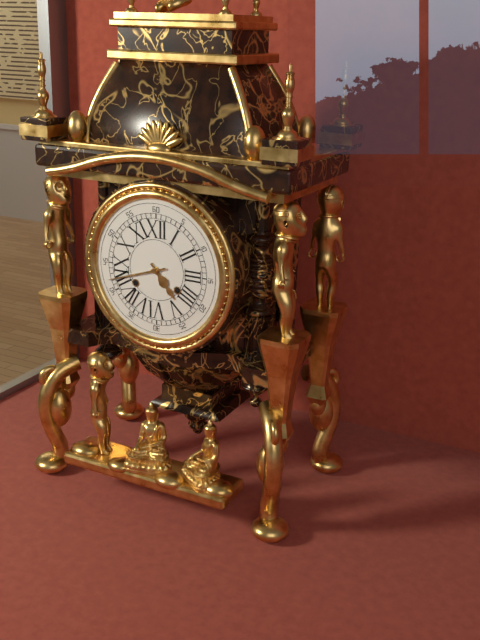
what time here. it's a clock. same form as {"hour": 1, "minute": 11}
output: {"hour": 4, "minute": 42}
